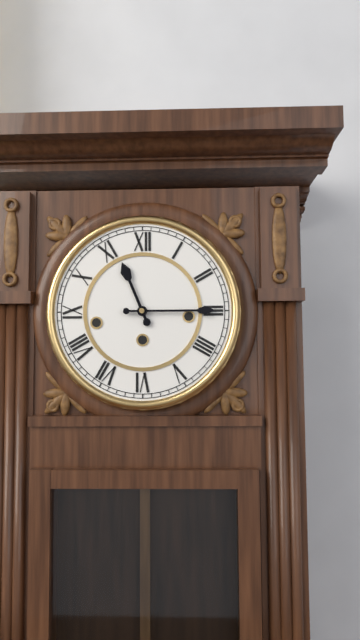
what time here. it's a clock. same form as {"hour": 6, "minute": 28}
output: {"hour": 11, "minute": 15}
